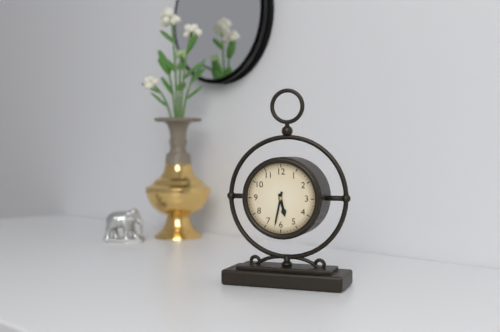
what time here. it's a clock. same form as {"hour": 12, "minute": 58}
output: {"hour": 5, "minute": 32}
